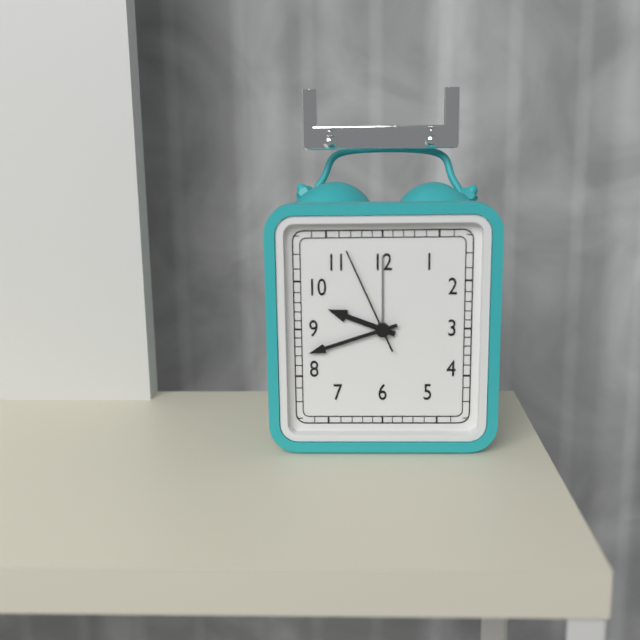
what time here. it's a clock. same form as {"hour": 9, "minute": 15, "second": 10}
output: {"hour": 9, "minute": 42, "second": 56}
